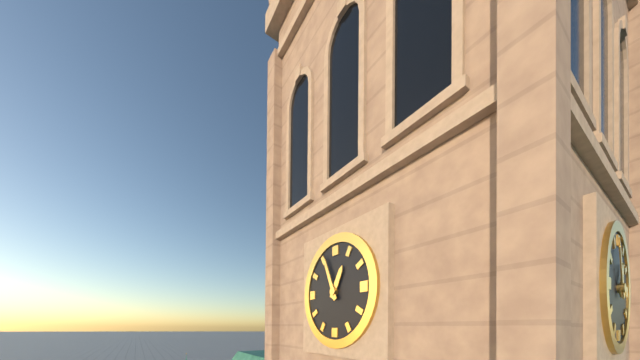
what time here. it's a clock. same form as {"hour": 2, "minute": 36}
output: {"hour": 12, "minute": 56}
